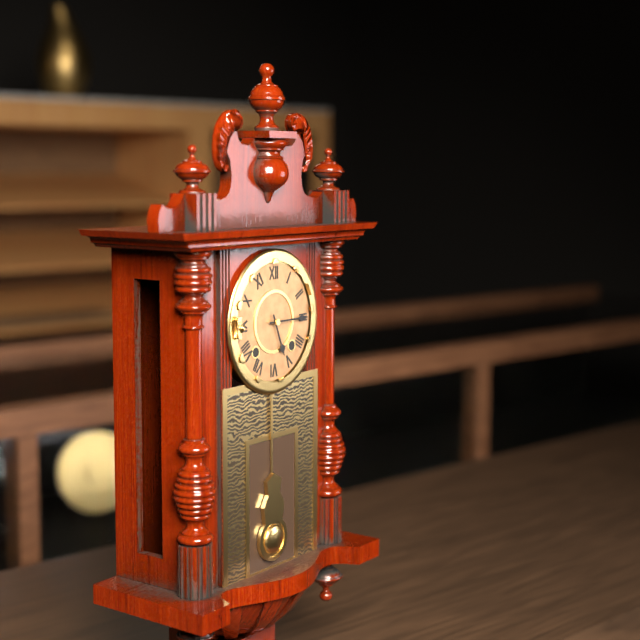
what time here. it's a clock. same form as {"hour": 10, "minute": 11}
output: {"hour": 5, "minute": 15}
